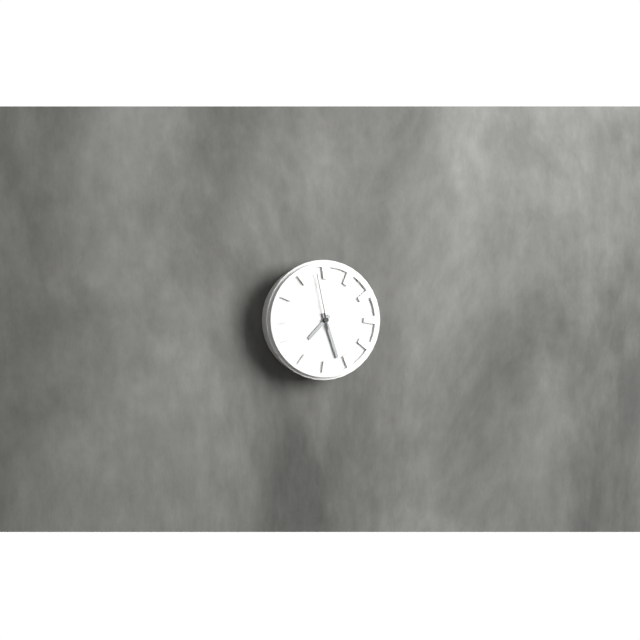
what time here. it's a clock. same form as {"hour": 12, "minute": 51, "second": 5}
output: {"hour": 7, "minute": 27, "second": 58}
